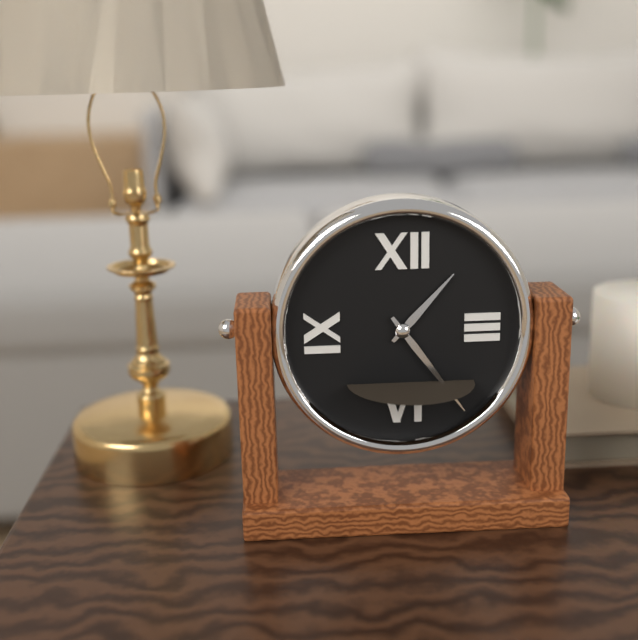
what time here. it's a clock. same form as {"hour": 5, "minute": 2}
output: {"hour": 1, "minute": 24}
